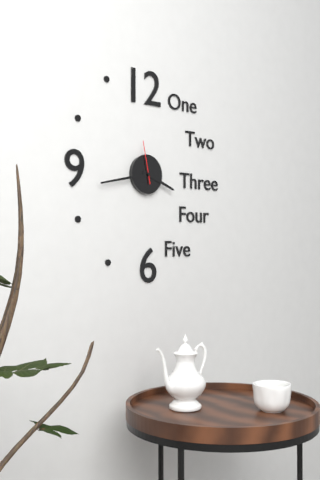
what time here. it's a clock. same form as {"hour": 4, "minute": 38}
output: {"hour": 3, "minute": 43}
